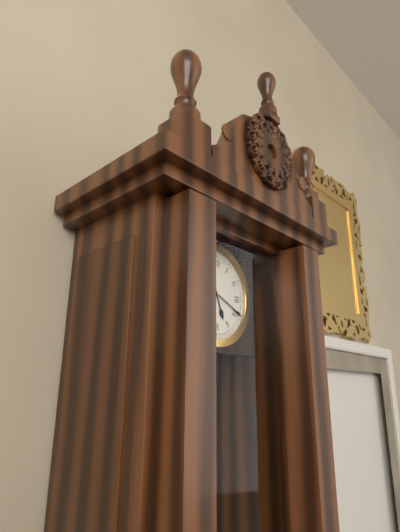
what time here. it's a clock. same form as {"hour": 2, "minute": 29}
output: {"hour": 5, "minute": 19}
